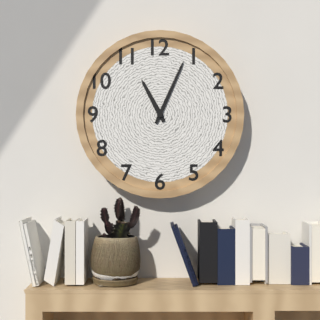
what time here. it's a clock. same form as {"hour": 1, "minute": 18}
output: {"hour": 11, "minute": 4}
